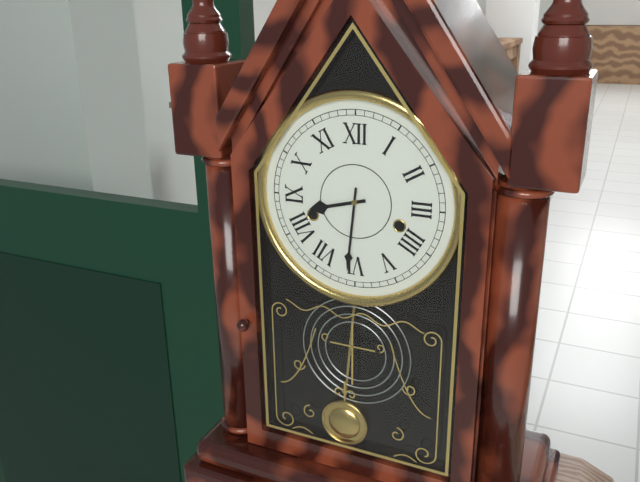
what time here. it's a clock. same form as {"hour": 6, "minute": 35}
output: {"hour": 8, "minute": 31}
